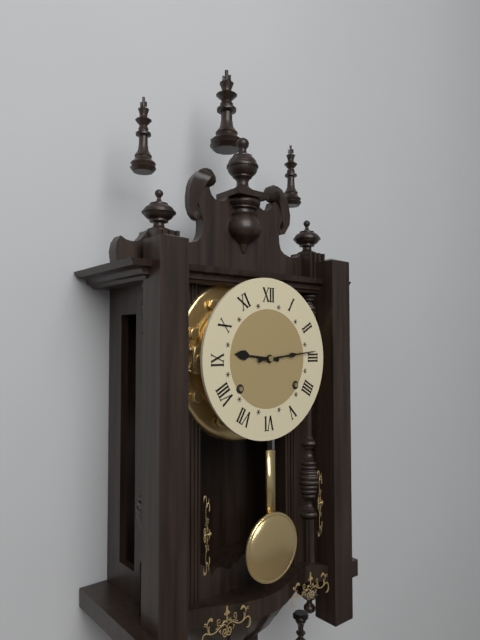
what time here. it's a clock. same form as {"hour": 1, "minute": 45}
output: {"hour": 9, "minute": 14}
